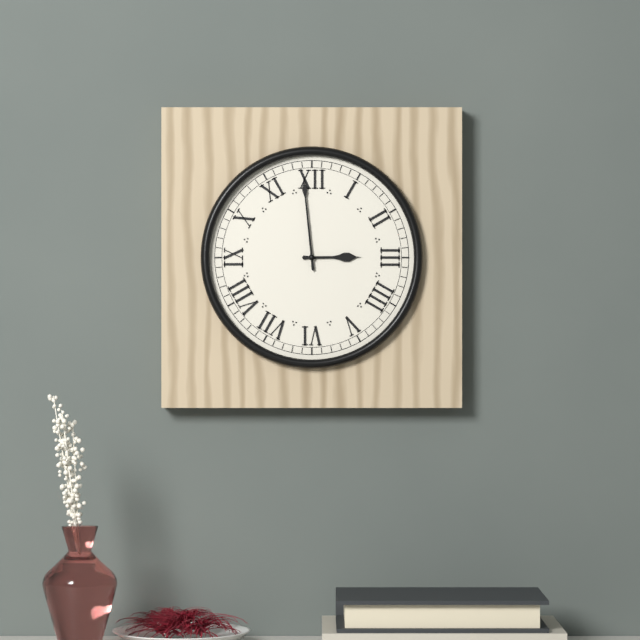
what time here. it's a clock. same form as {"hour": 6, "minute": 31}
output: {"hour": 2, "minute": 59}
